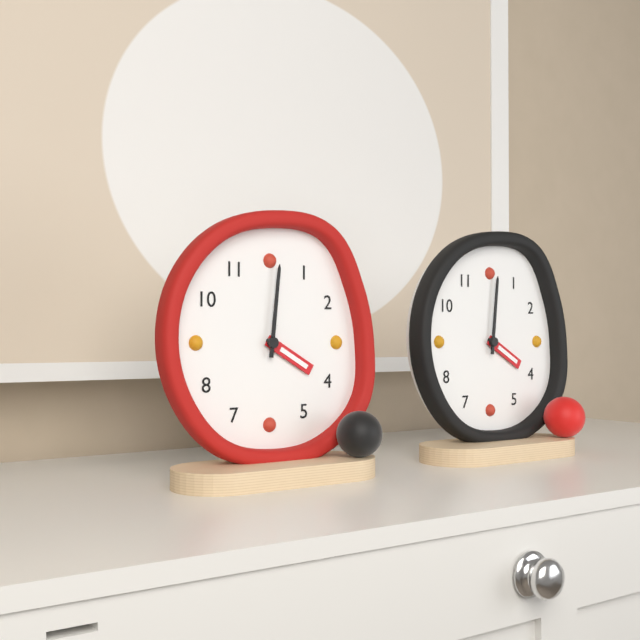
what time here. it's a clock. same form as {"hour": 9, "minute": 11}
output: {"hour": 4, "minute": 1}
